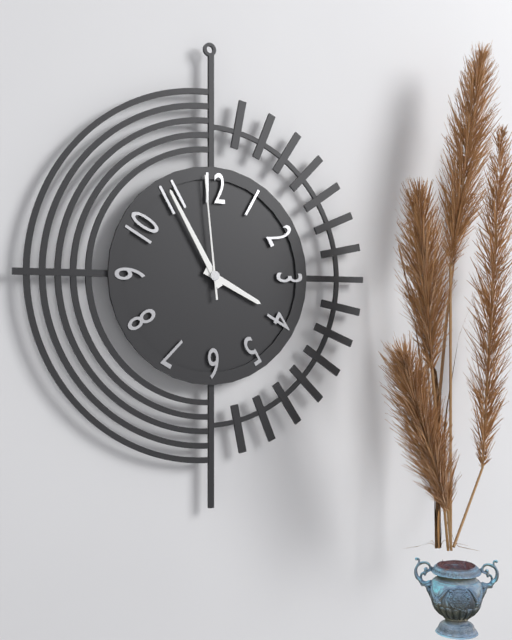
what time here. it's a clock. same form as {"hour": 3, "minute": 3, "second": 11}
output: {"hour": 3, "minute": 55, "second": 59}
